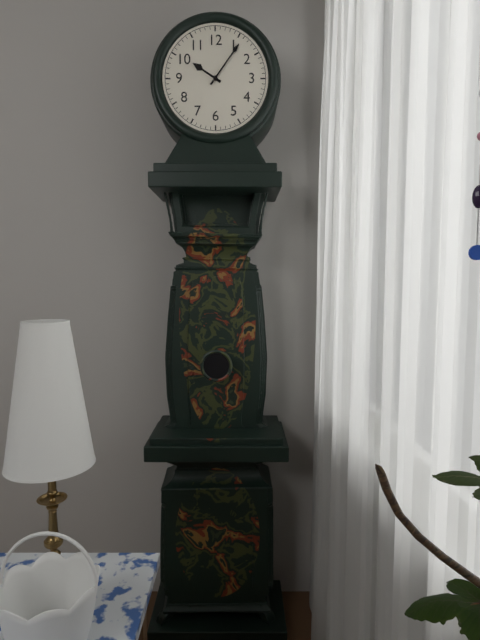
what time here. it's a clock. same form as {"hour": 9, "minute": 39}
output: {"hour": 10, "minute": 6}
